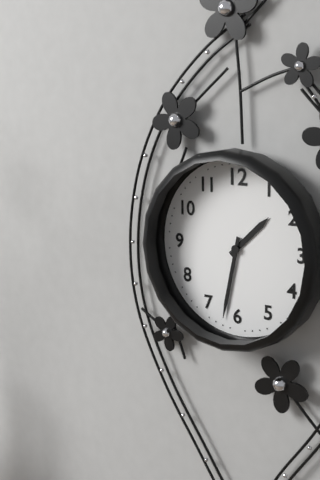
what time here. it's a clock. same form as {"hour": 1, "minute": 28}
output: {"hour": 1, "minute": 32}
